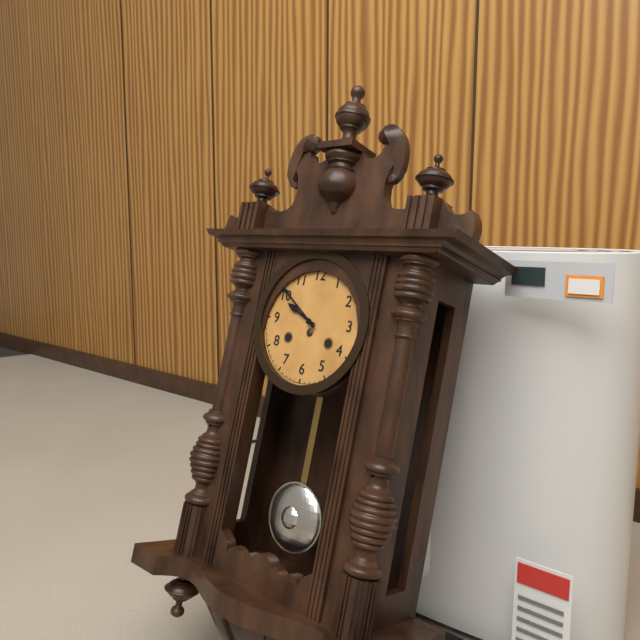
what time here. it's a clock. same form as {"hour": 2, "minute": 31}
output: {"hour": 9, "minute": 51}
